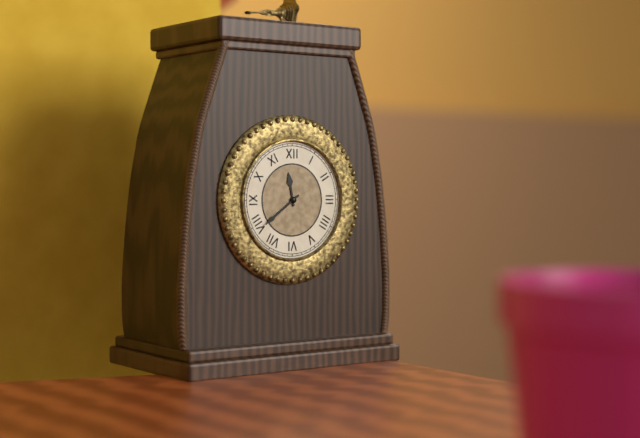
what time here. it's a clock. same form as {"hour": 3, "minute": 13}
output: {"hour": 11, "minute": 39}
